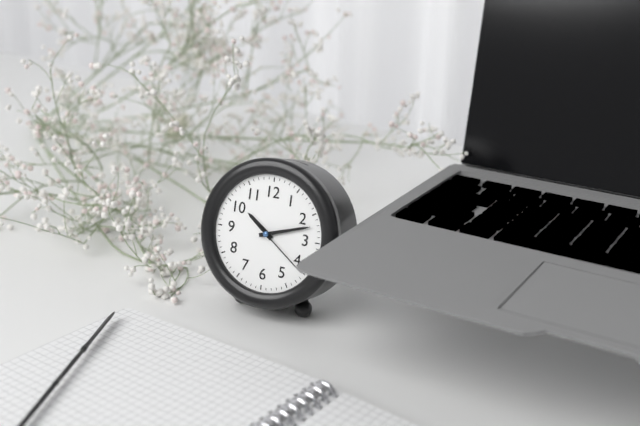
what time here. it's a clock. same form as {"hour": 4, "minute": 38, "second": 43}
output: {"hour": 10, "minute": 12, "second": 21}
